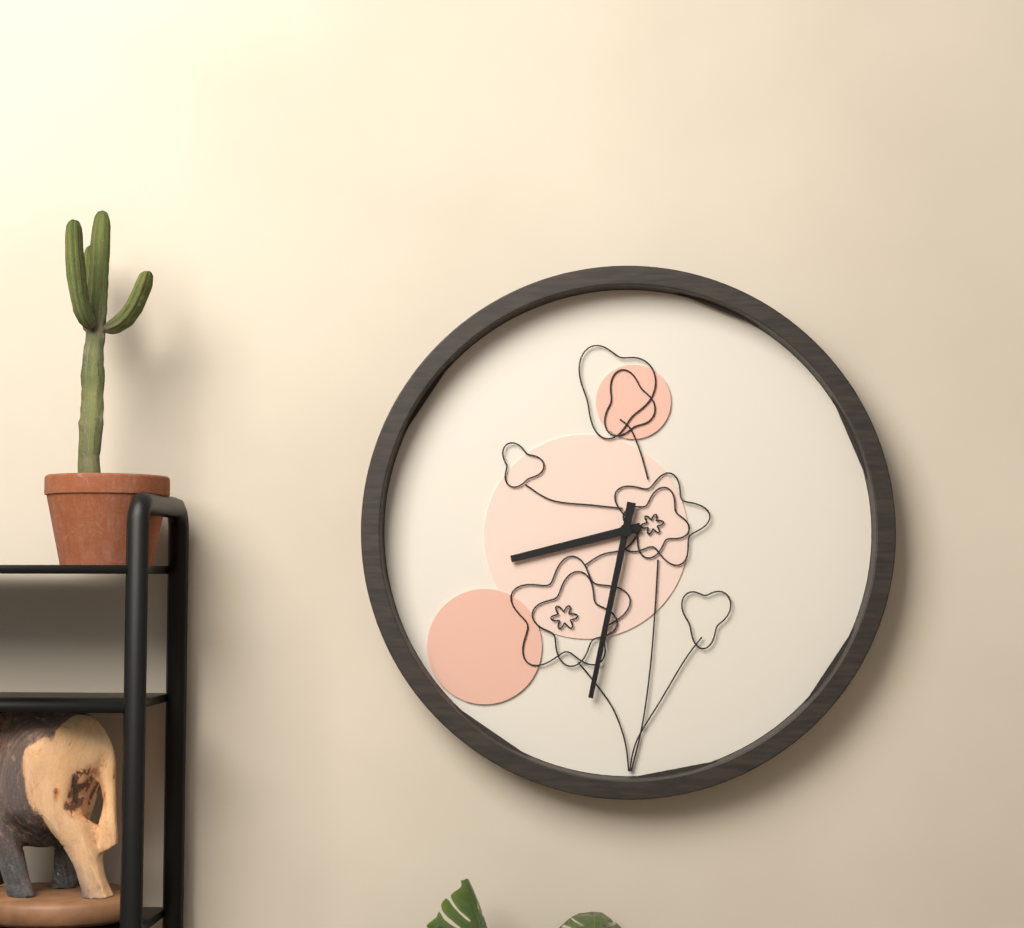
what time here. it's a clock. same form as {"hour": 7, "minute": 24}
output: {"hour": 8, "minute": 32}
